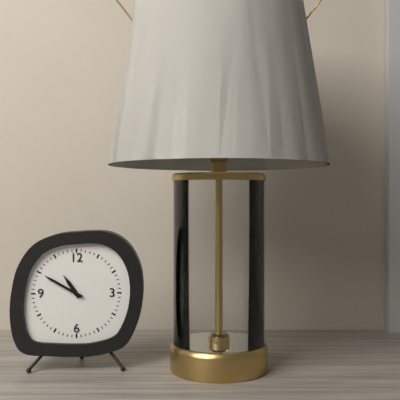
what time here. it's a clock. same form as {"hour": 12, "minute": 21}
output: {"hour": 10, "minute": 50}
